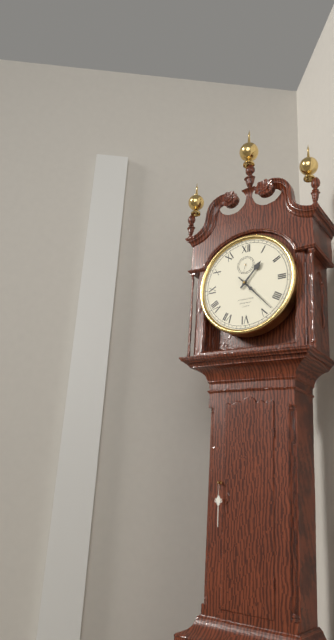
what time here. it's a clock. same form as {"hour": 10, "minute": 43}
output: {"hour": 1, "minute": 23}
